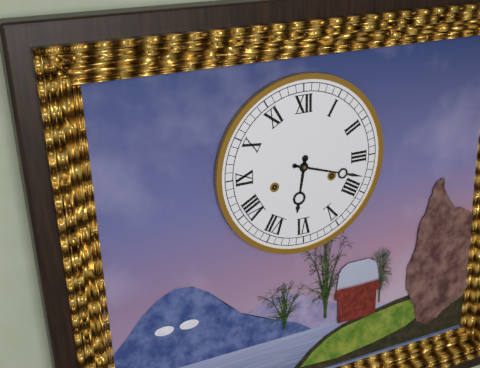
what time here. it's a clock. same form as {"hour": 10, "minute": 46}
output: {"hour": 6, "minute": 18}
